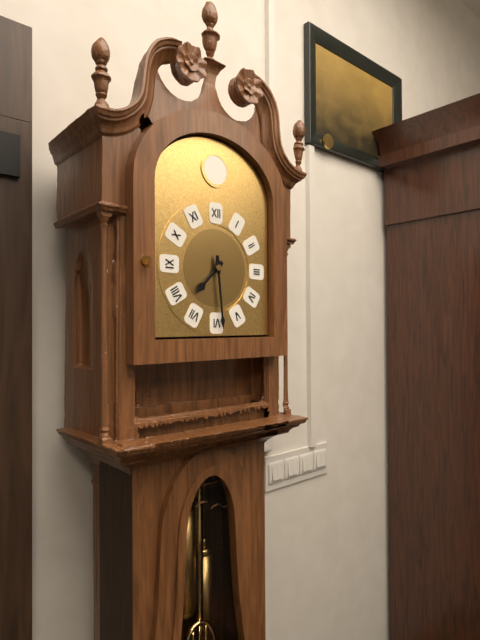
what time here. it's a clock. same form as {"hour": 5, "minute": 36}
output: {"hour": 7, "minute": 29}
